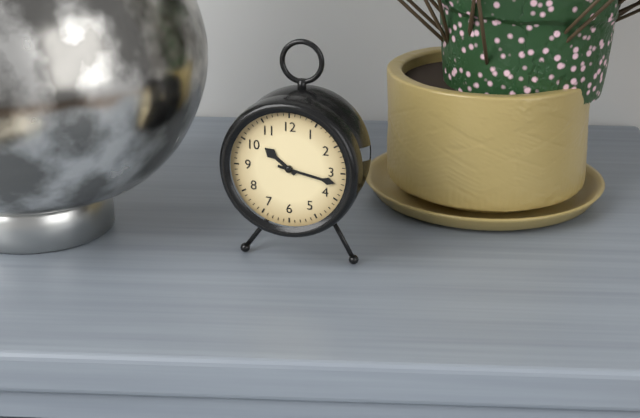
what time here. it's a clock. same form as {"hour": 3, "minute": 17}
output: {"hour": 10, "minute": 17}
